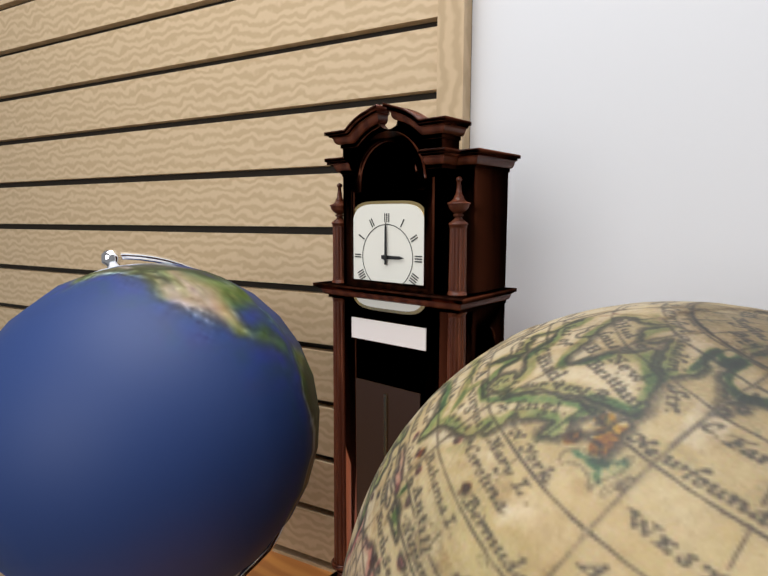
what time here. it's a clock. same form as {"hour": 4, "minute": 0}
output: {"hour": 3, "minute": 0}
